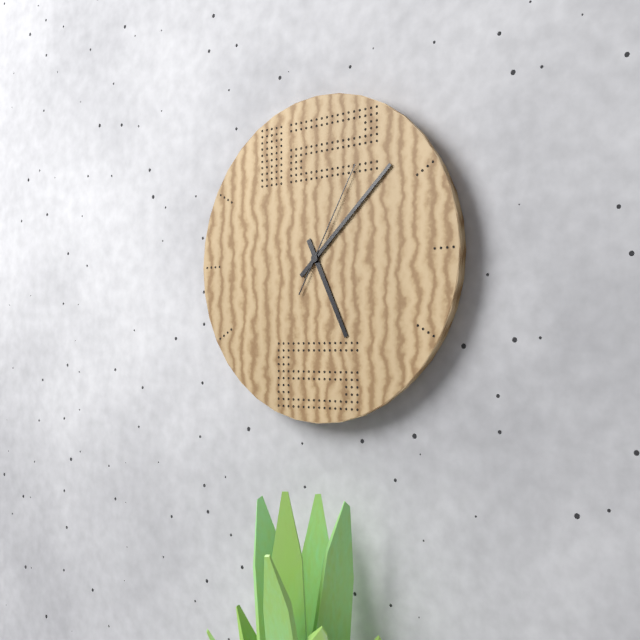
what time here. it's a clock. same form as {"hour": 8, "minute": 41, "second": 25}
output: {"hour": 5, "minute": 8, "second": 5}
